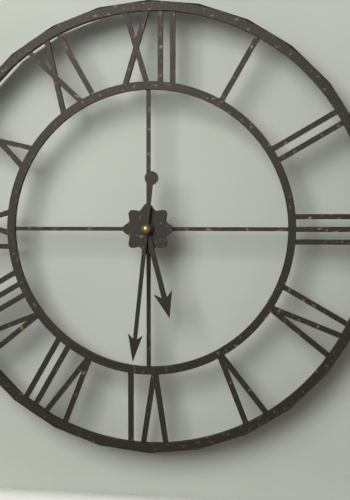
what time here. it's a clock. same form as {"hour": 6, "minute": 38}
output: {"hour": 5, "minute": 31}
